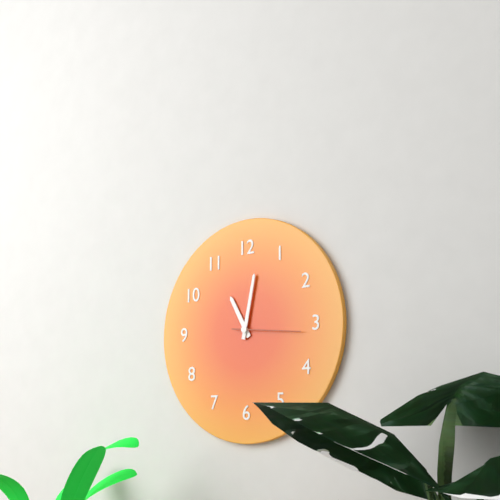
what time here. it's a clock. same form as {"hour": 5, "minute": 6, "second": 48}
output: {"hour": 11, "minute": 2, "second": 16}
